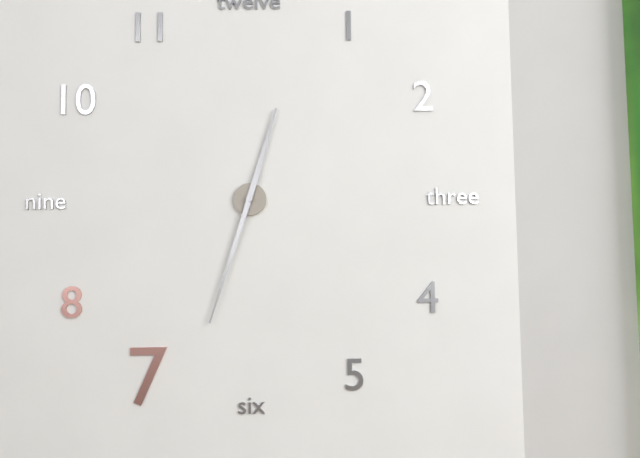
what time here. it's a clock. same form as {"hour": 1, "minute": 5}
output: {"hour": 12, "minute": 33}
